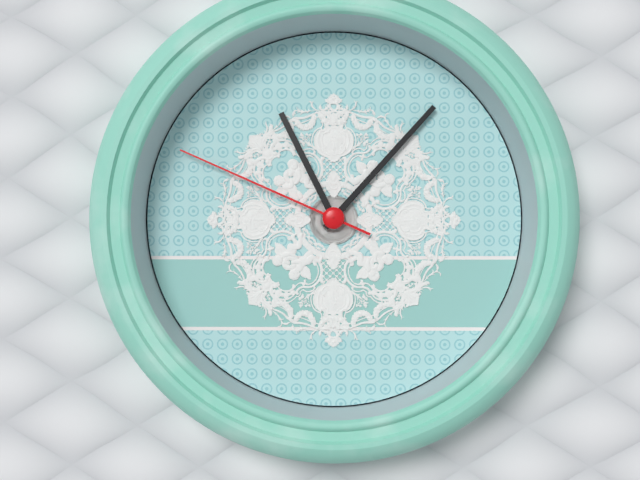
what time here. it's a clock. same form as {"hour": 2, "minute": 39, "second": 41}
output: {"hour": 11, "minute": 7, "second": 49}
